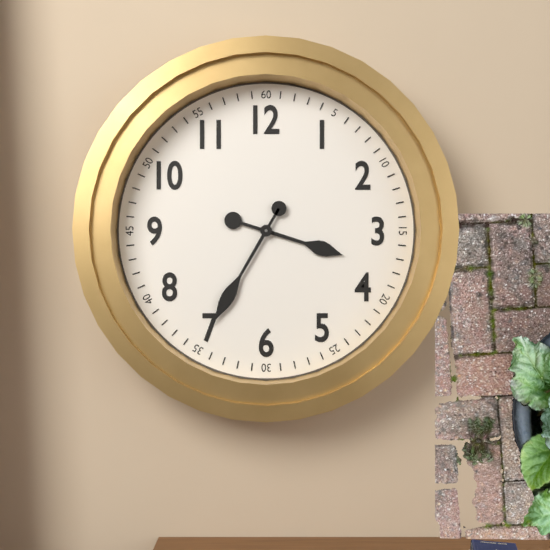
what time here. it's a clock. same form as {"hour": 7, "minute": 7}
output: {"hour": 3, "minute": 35}
